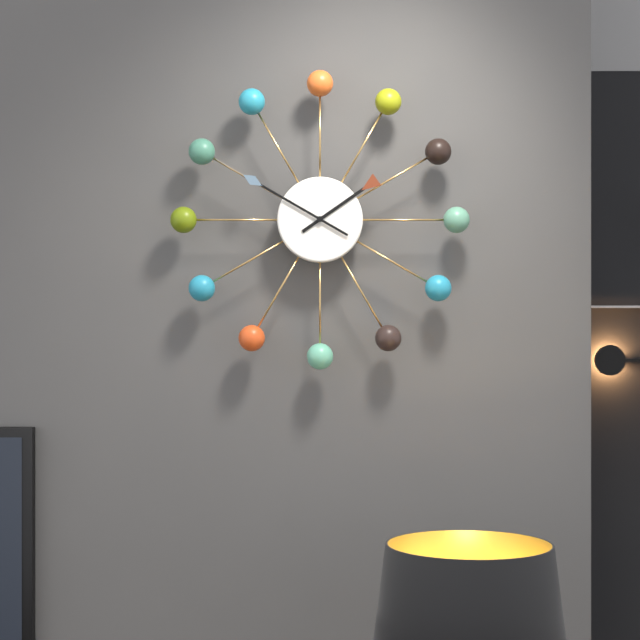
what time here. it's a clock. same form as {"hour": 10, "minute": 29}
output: {"hour": 1, "minute": 50}
